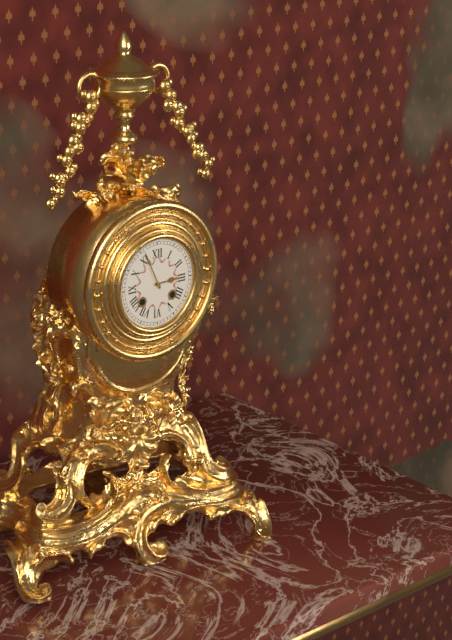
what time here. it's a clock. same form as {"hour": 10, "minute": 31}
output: {"hour": 2, "minute": 56}
